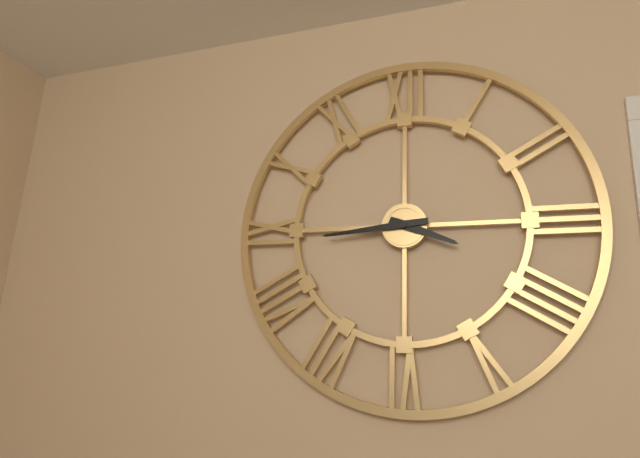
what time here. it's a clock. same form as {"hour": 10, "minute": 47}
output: {"hour": 3, "minute": 44}
